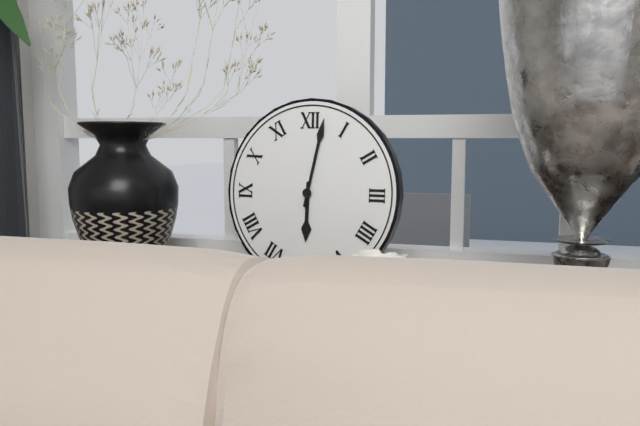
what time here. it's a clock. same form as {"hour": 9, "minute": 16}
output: {"hour": 6, "minute": 2}
